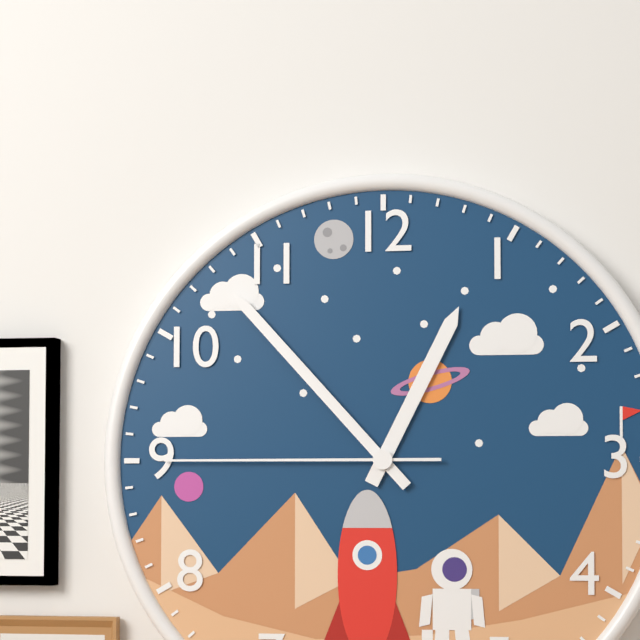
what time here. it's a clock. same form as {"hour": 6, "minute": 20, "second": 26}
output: {"hour": 12, "minute": 53, "second": 45}
